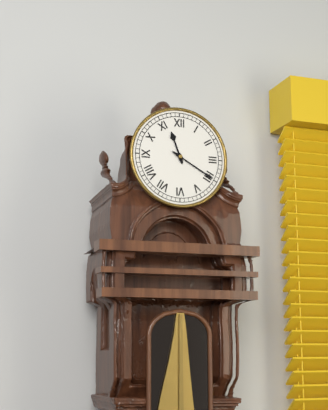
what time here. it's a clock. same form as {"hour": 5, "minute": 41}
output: {"hour": 11, "minute": 20}
